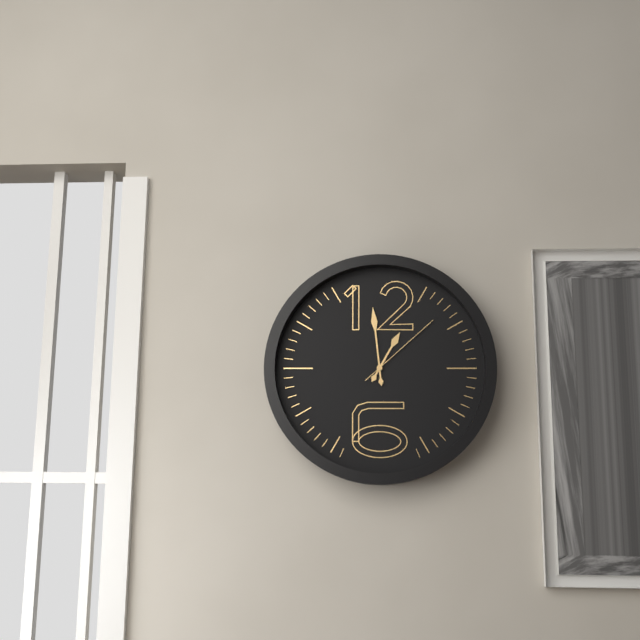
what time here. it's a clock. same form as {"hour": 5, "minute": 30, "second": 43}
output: {"hour": 12, "minute": 59, "second": 8}
